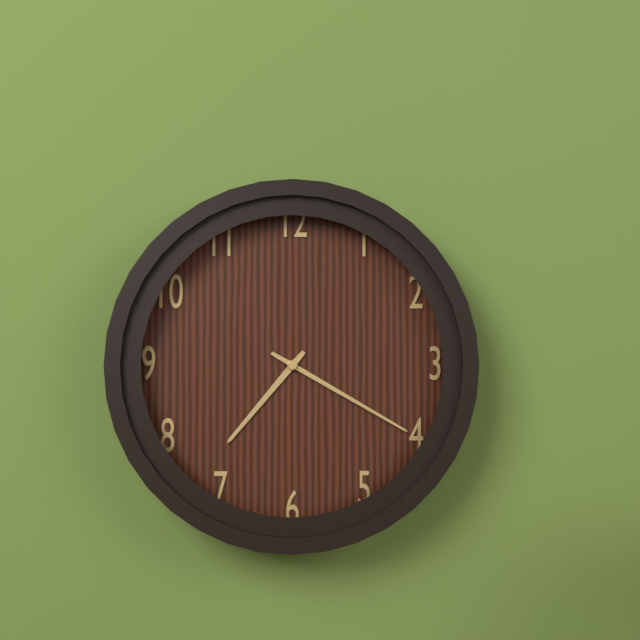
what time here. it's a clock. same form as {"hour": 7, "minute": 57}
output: {"hour": 7, "minute": 20}
